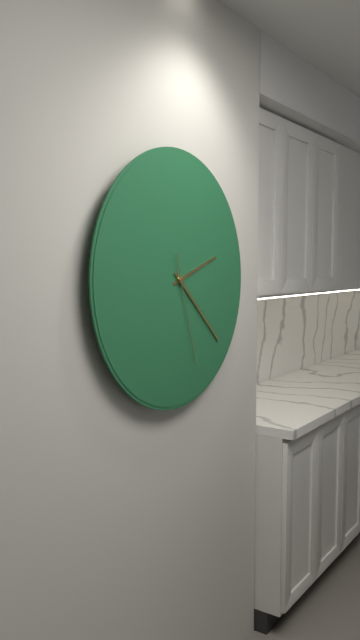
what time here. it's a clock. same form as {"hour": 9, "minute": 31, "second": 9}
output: {"hour": 2, "minute": 22, "second": 27}
